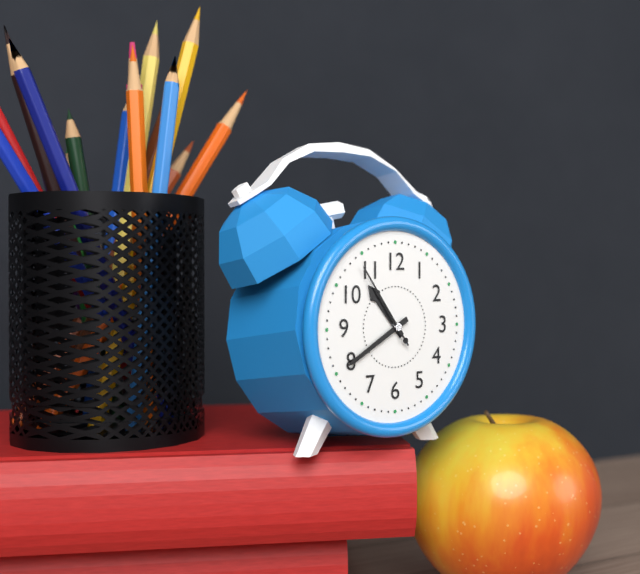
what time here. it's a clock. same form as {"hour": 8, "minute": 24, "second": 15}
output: {"hour": 10, "minute": 40, "second": 54}
